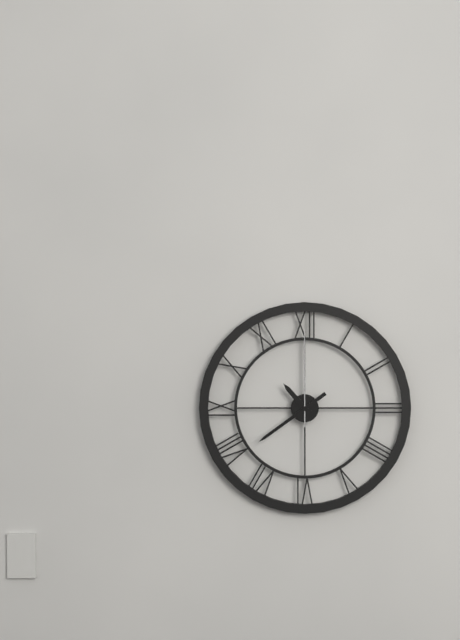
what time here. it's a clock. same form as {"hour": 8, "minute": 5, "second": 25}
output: {"hour": 10, "minute": 39, "second": 0}
